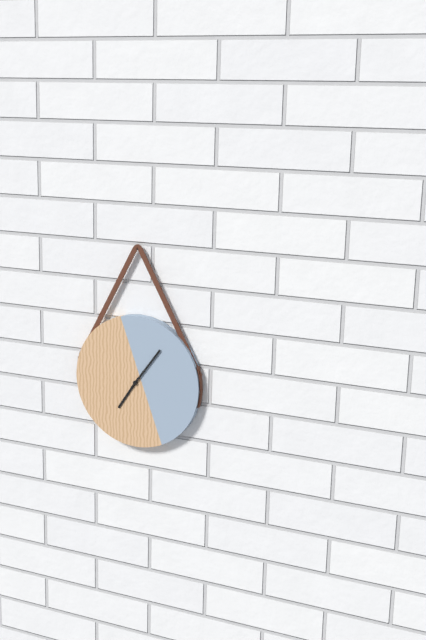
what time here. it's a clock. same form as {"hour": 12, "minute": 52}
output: {"hour": 7, "minute": 6}
